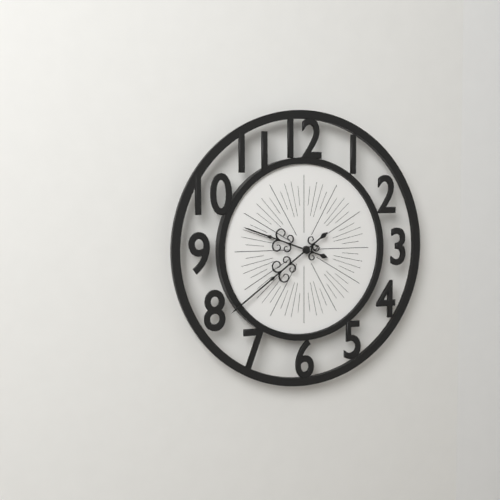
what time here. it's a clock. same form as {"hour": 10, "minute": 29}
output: {"hour": 9, "minute": 39}
